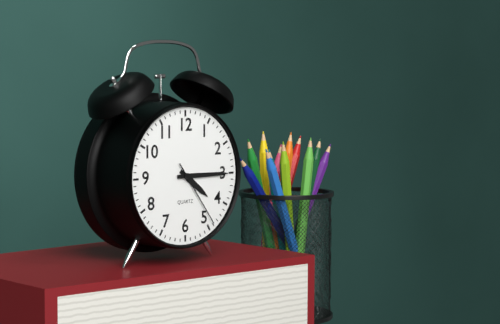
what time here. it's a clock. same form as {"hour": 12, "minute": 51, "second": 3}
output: {"hour": 4, "minute": 15, "second": 24}
